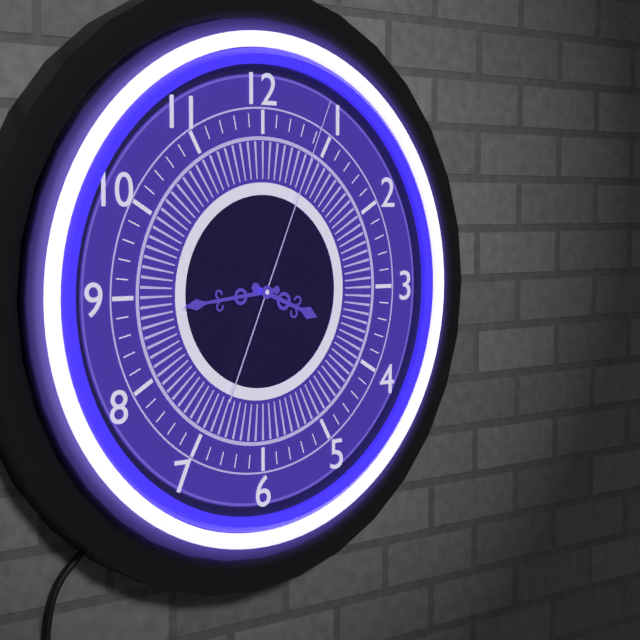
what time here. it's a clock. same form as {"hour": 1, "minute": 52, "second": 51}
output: {"hour": 3, "minute": 44, "second": 4}
